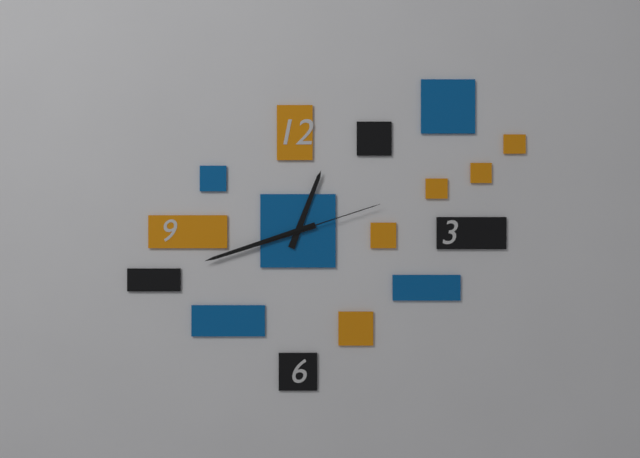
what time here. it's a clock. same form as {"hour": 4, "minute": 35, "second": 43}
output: {"hour": 12, "minute": 42, "second": 12}
